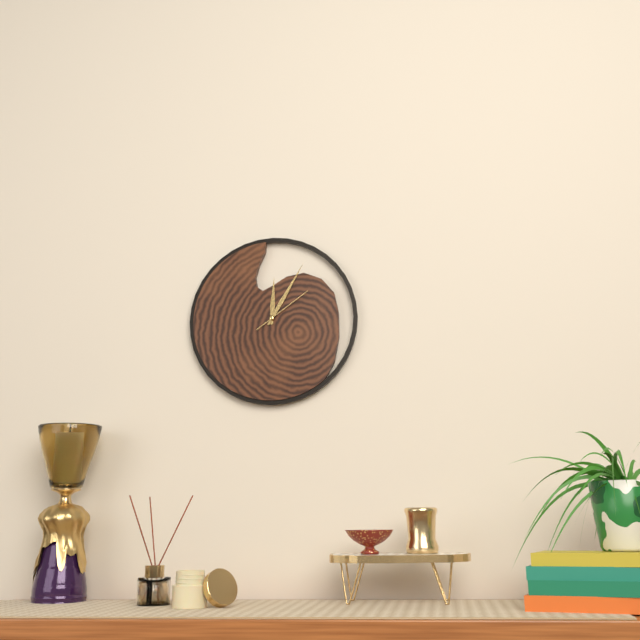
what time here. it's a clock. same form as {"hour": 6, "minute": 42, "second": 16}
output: {"hour": 12, "minute": 5, "second": 9}
